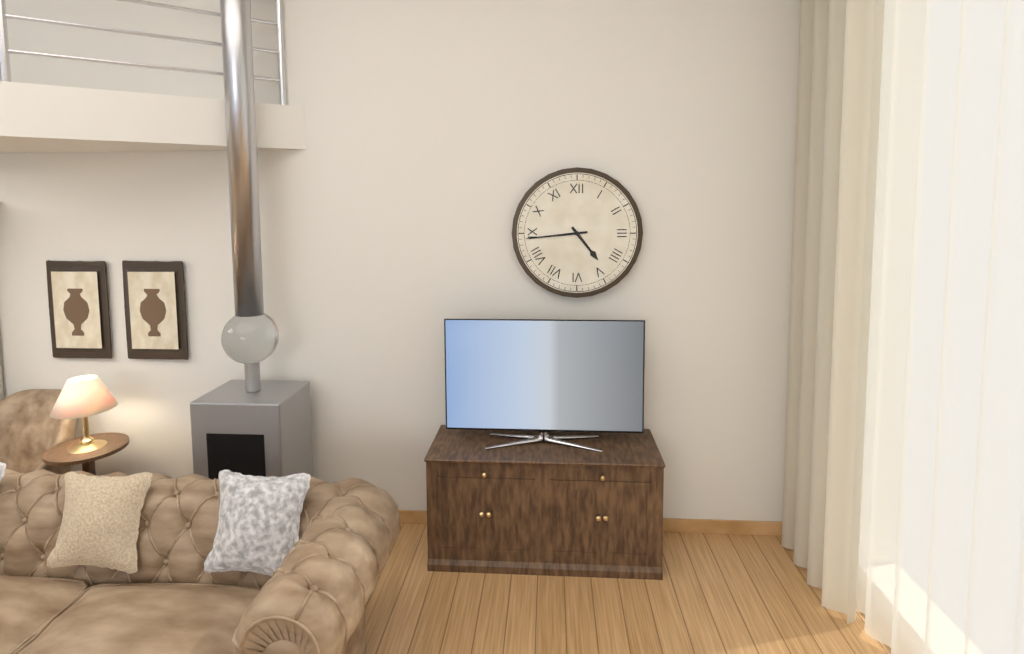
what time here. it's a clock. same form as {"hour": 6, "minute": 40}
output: {"hour": 4, "minute": 44}
